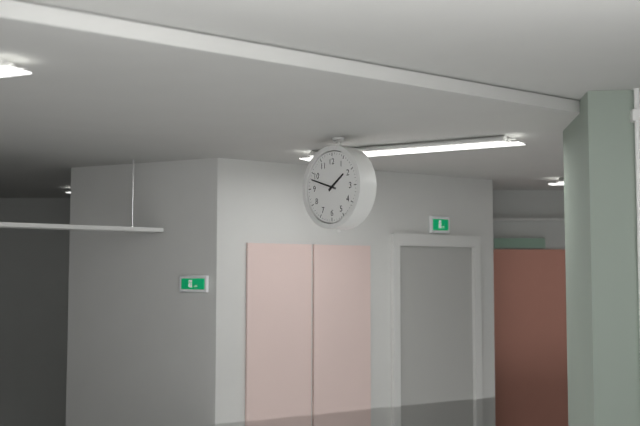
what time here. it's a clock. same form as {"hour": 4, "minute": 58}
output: {"hour": 1, "minute": 48}
